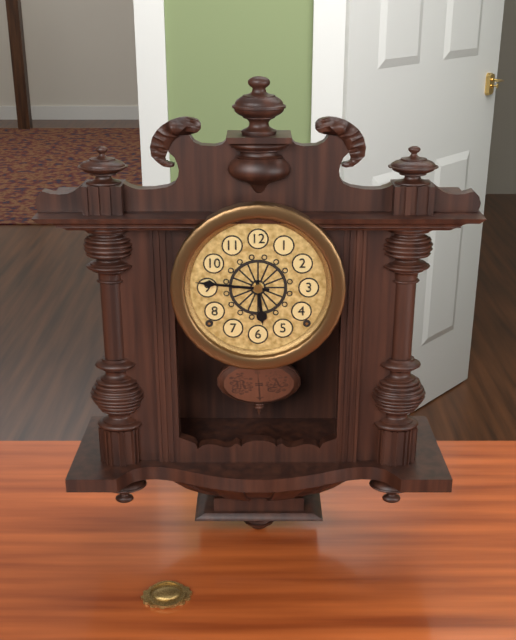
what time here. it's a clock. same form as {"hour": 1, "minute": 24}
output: {"hour": 5, "minute": 46}
